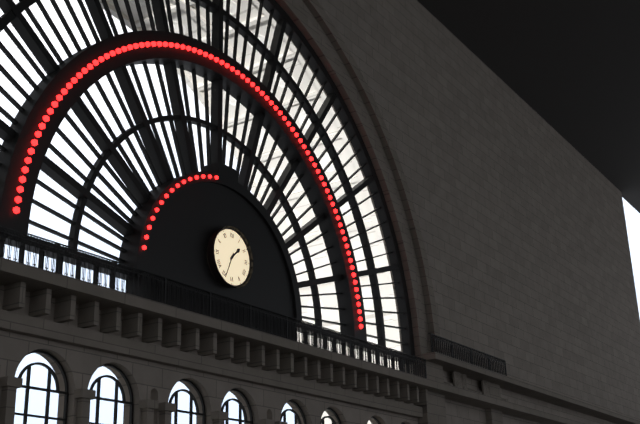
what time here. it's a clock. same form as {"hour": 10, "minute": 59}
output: {"hour": 1, "minute": 34}
